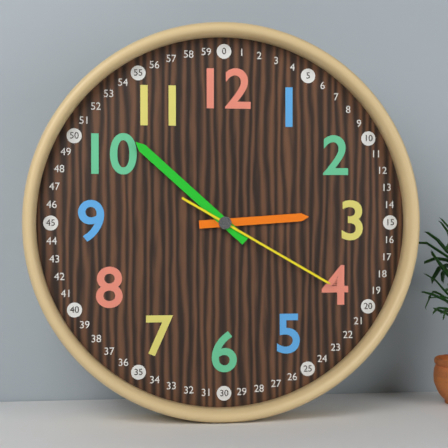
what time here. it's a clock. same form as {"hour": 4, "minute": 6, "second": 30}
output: {"hour": 2, "minute": 52, "second": 20}
